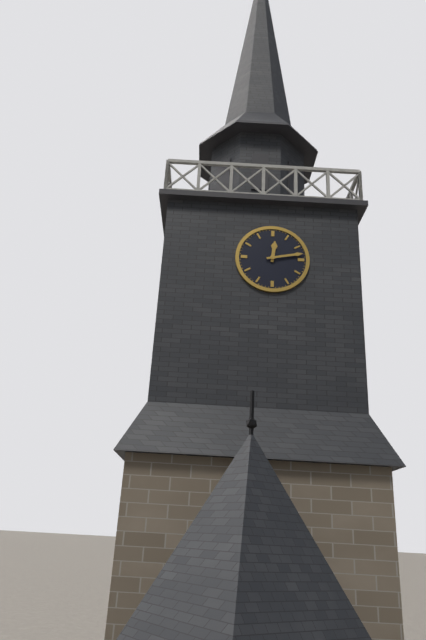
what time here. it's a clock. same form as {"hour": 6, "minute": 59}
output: {"hour": 12, "minute": 13}
